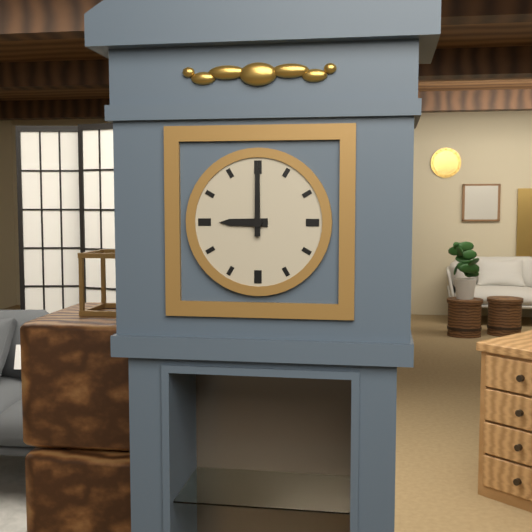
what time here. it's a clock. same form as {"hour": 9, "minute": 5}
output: {"hour": 9, "minute": 0}
